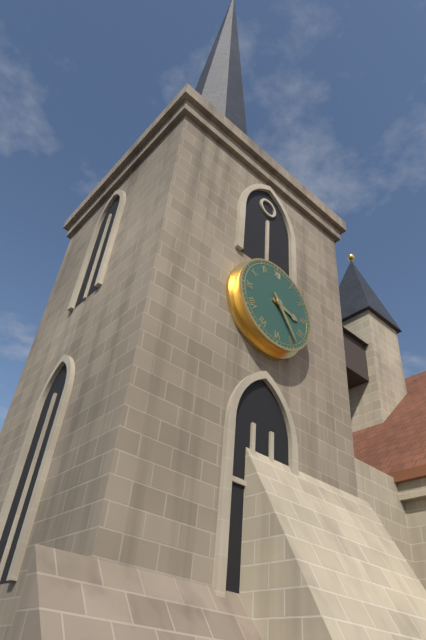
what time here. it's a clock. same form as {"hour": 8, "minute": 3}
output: {"hour": 3, "minute": 24}
